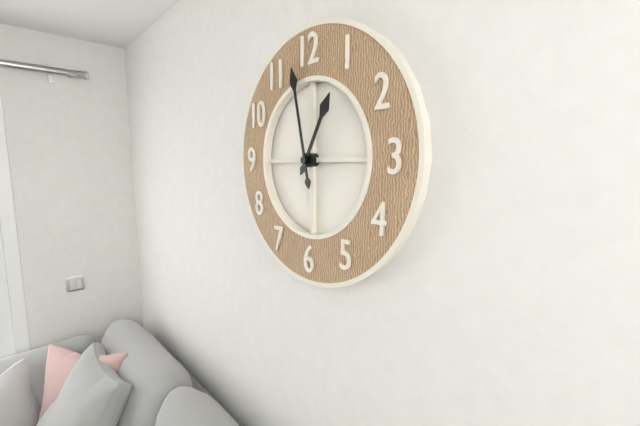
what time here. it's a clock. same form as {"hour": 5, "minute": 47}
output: {"hour": 12, "minute": 58}
